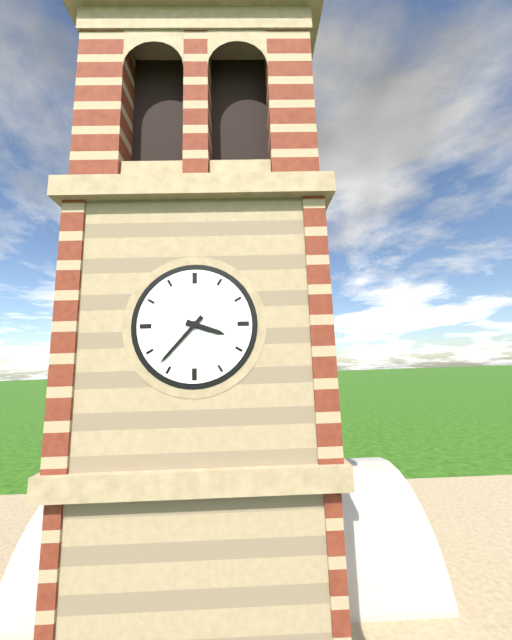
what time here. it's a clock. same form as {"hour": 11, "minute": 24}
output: {"hour": 3, "minute": 37}
